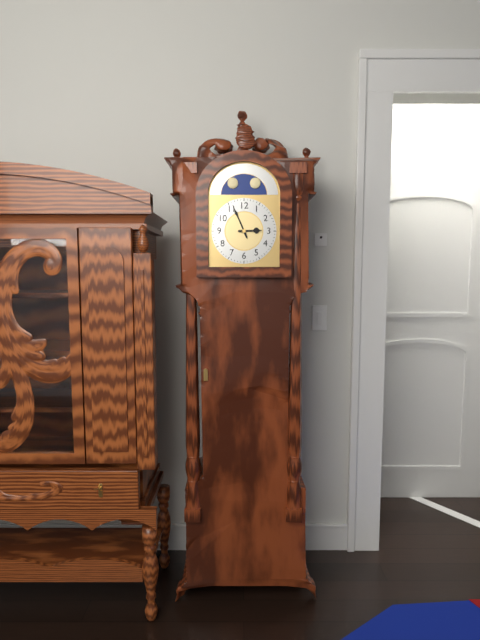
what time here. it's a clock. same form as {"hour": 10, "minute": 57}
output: {"hour": 2, "minute": 56}
